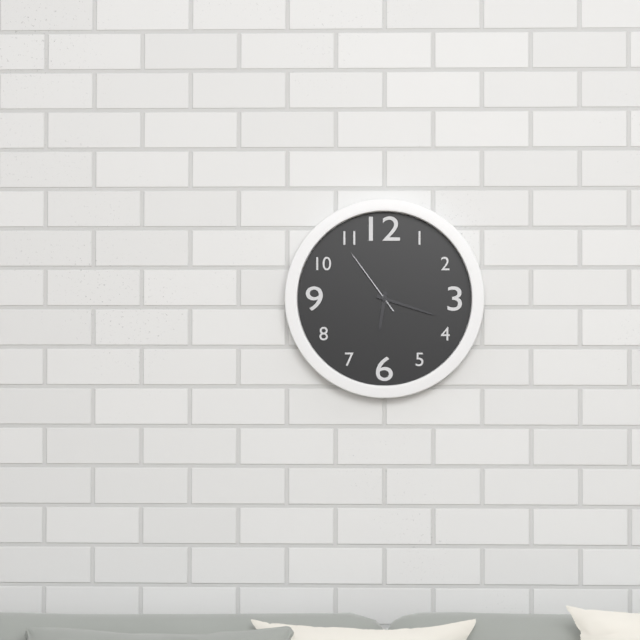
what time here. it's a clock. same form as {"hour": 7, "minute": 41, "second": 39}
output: {"hour": 6, "minute": 18, "second": 54}
